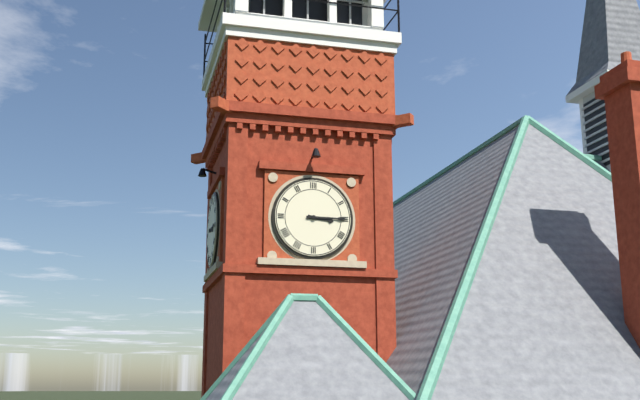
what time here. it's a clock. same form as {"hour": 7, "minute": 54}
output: {"hour": 3, "minute": 15}
